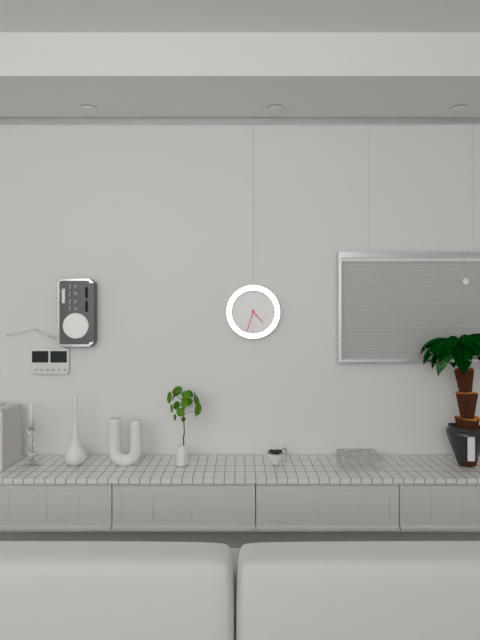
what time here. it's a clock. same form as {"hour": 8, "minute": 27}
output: {"hour": 4, "minute": 33}
